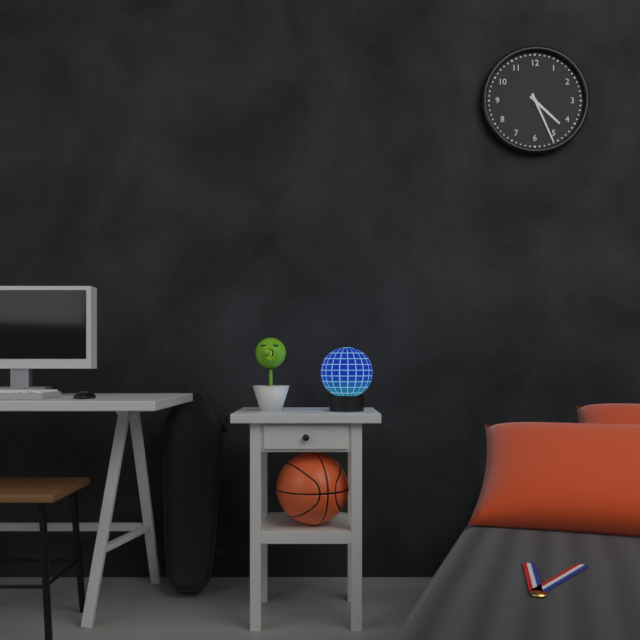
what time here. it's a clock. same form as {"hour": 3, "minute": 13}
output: {"hour": 4, "minute": 26}
